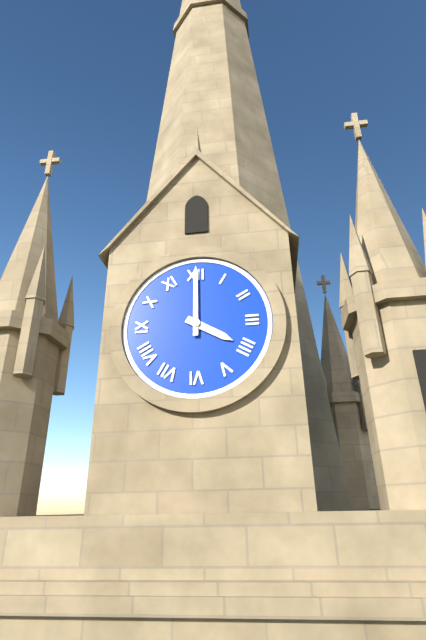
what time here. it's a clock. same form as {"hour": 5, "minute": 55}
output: {"hour": 4, "minute": 0}
